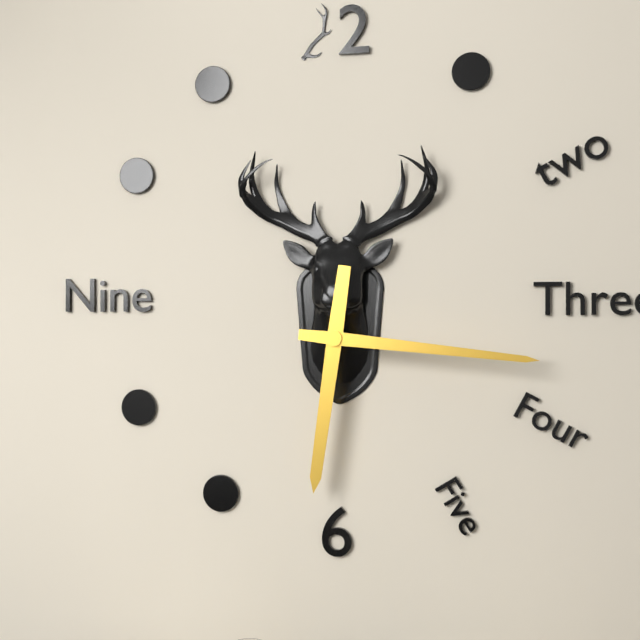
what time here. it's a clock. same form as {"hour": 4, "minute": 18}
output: {"hour": 6, "minute": 16}
